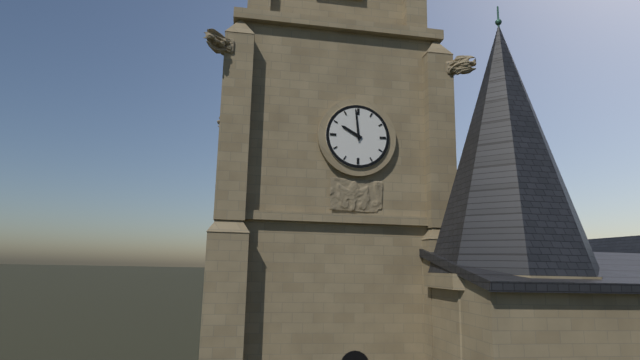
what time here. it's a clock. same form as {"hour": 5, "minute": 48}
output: {"hour": 9, "minute": 59}
